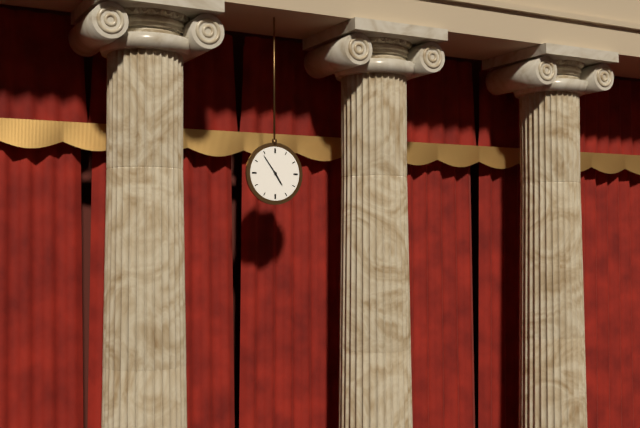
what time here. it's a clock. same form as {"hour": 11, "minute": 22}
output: {"hour": 4, "minute": 54}
